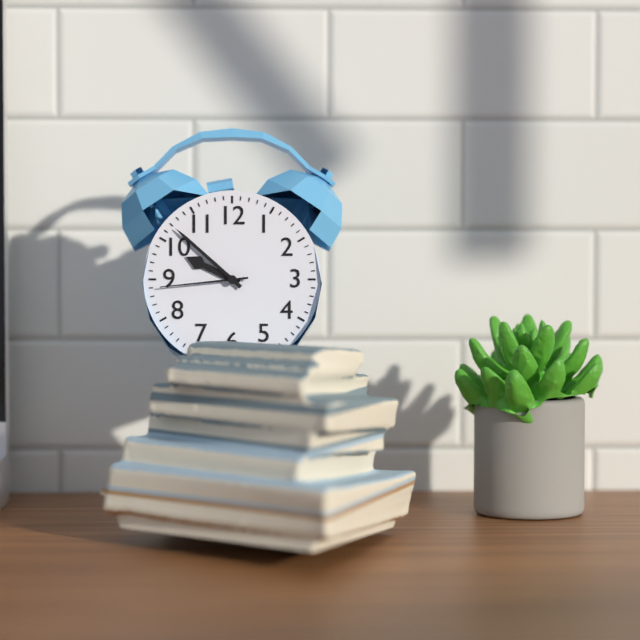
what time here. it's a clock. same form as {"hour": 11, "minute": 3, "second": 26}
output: {"hour": 9, "minute": 52, "second": 44}
